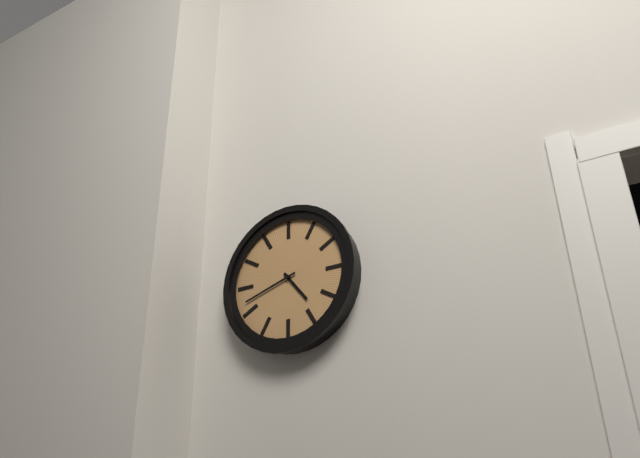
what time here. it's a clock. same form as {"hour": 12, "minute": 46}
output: {"hour": 4, "minute": 42}
